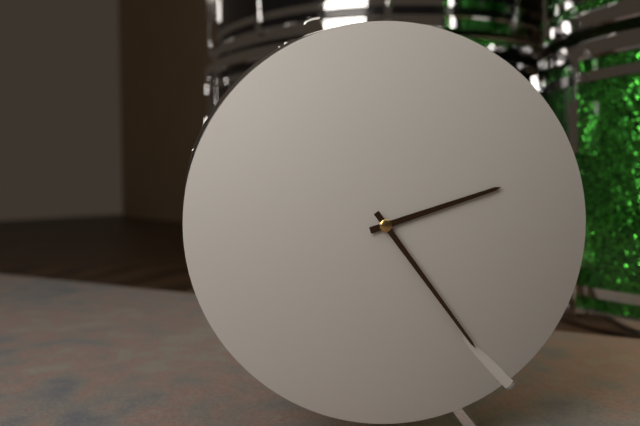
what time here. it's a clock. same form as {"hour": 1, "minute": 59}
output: {"hour": 2, "minute": 24}
